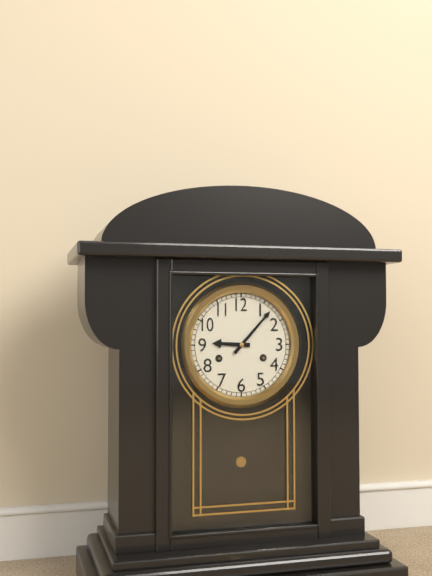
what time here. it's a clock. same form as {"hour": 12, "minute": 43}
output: {"hour": 9, "minute": 7}
